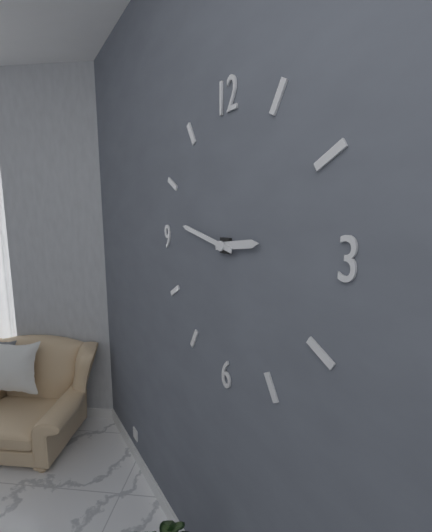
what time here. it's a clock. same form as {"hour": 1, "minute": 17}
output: {"hour": 2, "minute": 47}
